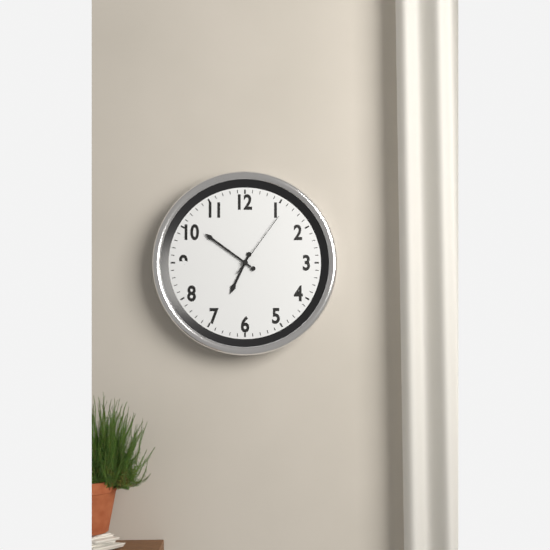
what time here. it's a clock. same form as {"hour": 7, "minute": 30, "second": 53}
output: {"hour": 6, "minute": 51, "second": 6}
